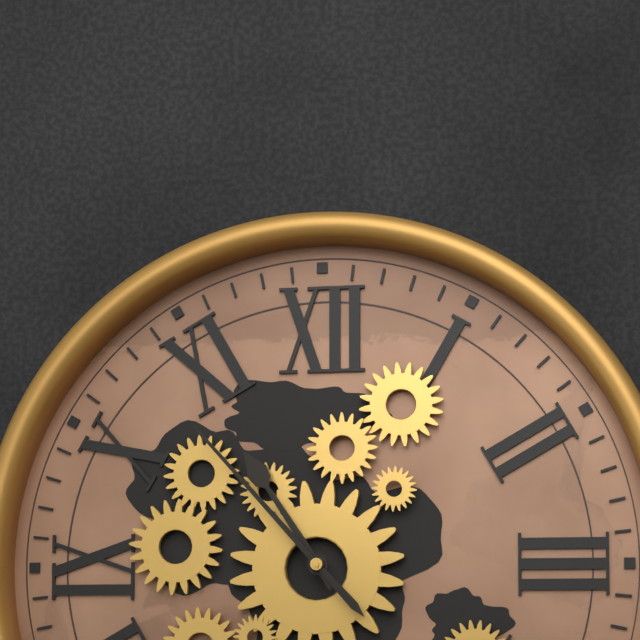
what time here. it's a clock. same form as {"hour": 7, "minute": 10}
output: {"hour": 10, "minute": 53}
